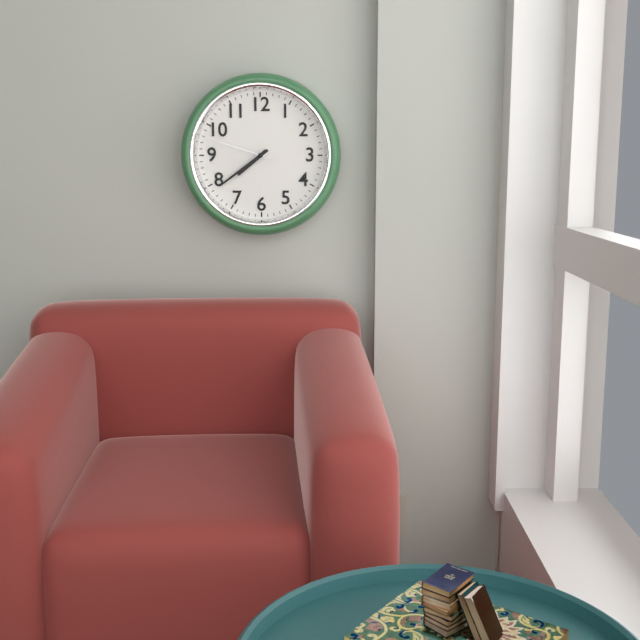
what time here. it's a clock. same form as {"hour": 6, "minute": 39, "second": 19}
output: {"hour": 7, "minute": 39, "second": 48}
